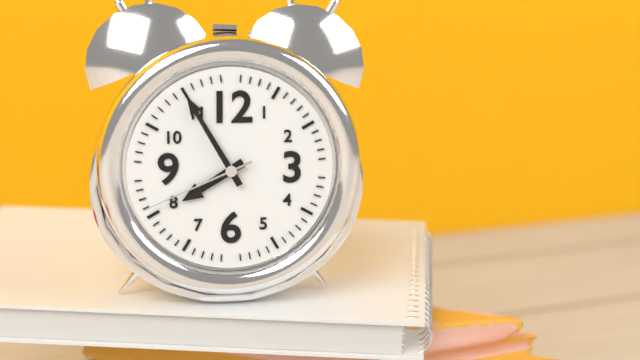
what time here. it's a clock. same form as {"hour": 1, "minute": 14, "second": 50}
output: {"hour": 7, "minute": 55, "second": 41}
